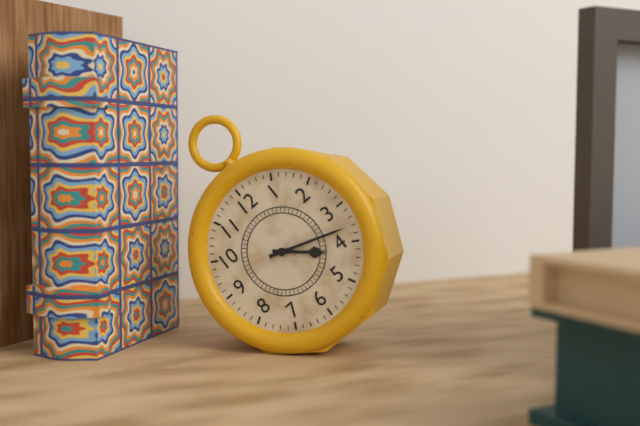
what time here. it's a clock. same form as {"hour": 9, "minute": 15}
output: {"hour": 4, "minute": 18}
